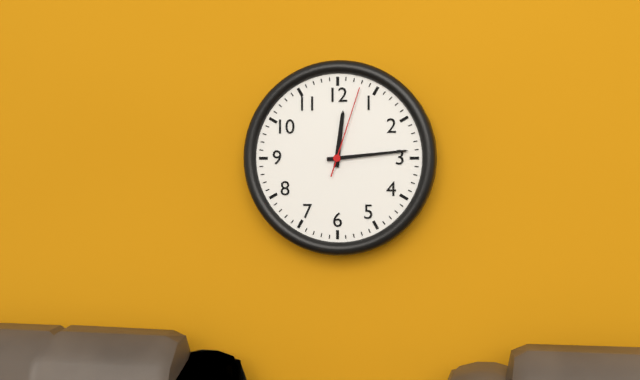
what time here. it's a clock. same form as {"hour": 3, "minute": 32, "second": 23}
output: {"hour": 12, "minute": 14, "second": 3}
